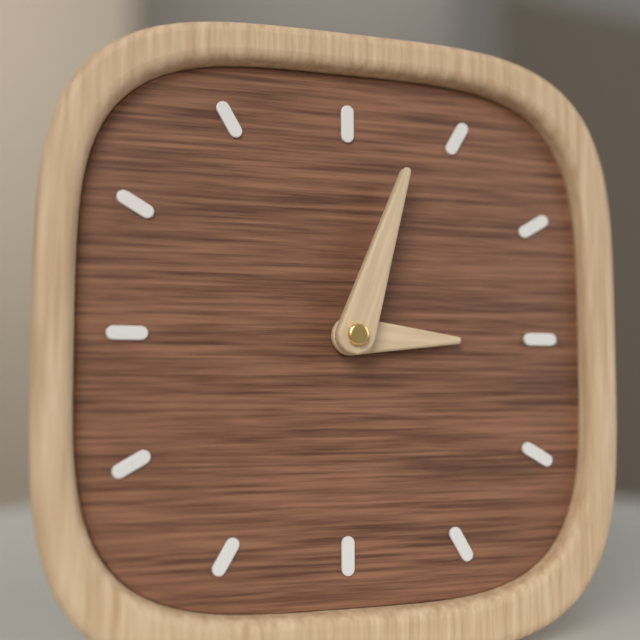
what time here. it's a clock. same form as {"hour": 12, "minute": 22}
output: {"hour": 3, "minute": 3}
